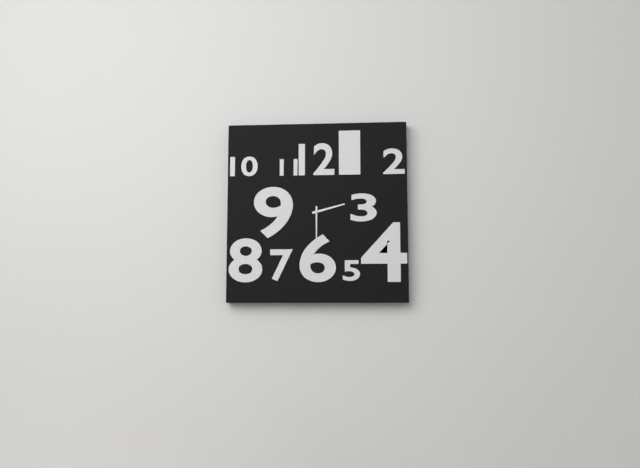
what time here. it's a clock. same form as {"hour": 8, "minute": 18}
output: {"hour": 2, "minute": 30}
